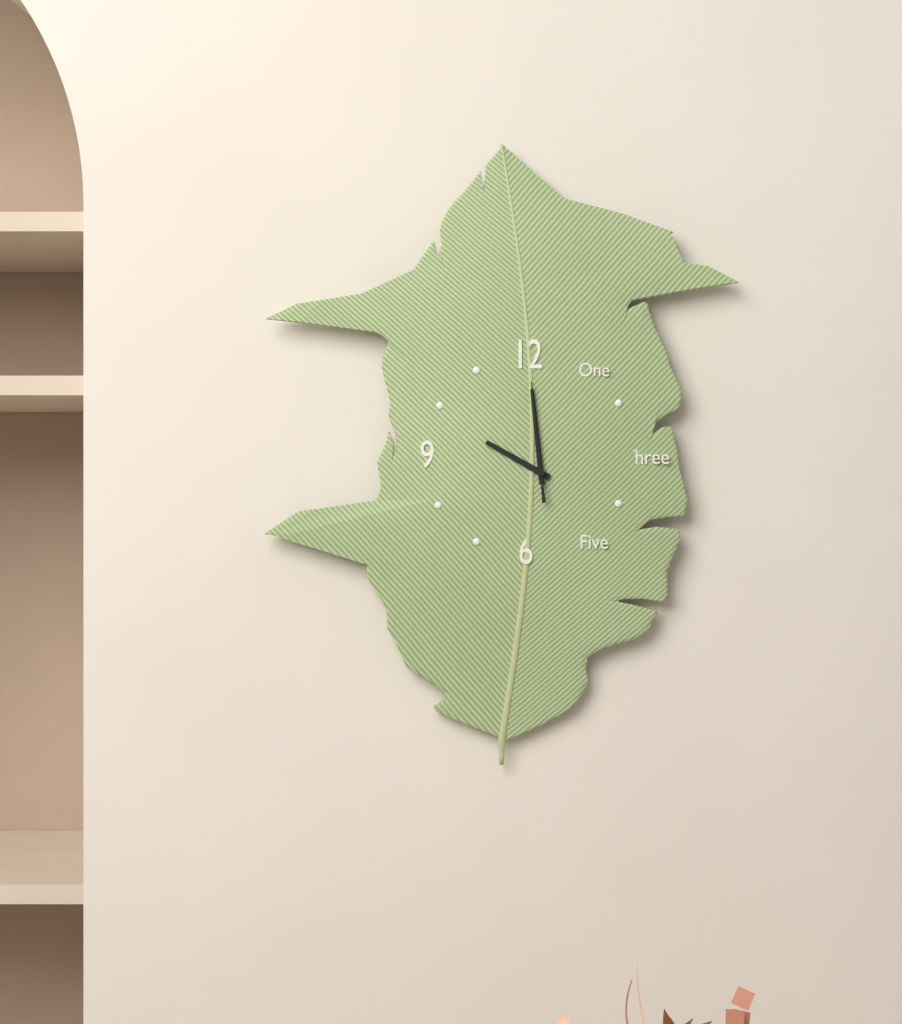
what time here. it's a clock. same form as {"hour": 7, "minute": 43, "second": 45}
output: {"hour": 9, "minute": 59, "second": 59}
